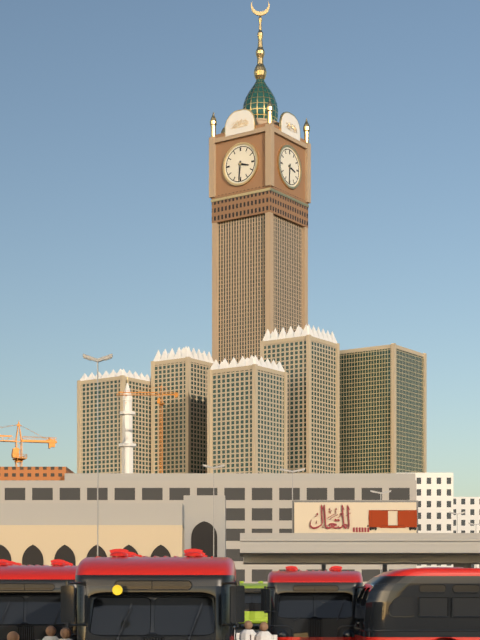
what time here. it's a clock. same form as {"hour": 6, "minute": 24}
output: {"hour": 3, "minute": 31}
